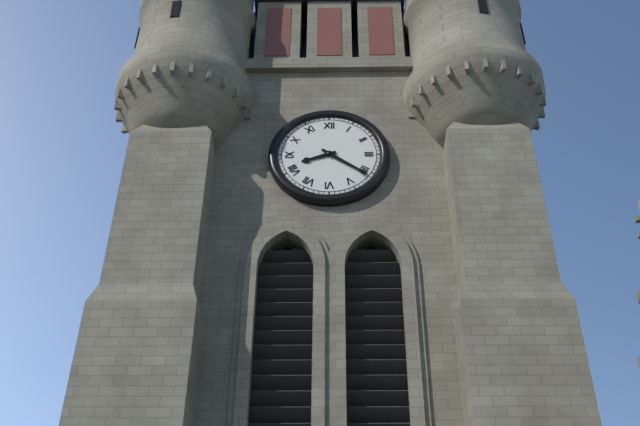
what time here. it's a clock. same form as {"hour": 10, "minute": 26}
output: {"hour": 8, "minute": 21}
